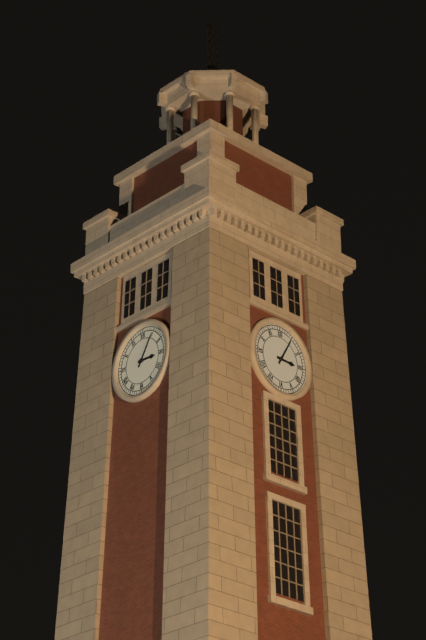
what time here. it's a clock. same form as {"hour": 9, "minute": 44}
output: {"hour": 3, "minute": 5}
